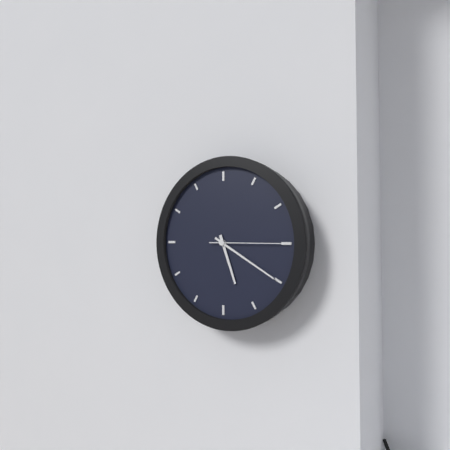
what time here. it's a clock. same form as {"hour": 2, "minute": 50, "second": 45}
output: {"hour": 5, "minute": 20, "second": 15}
